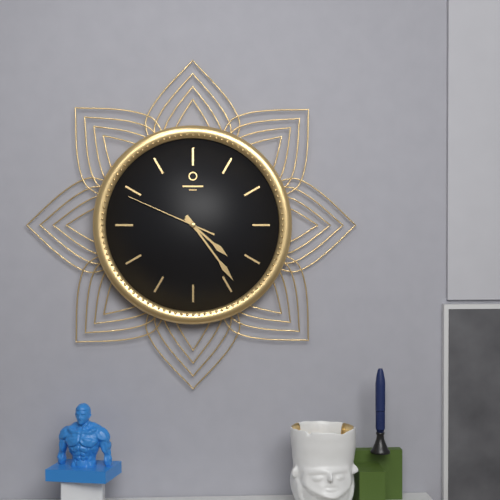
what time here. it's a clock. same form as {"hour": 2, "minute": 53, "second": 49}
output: {"hour": 4, "minute": 24, "second": 49}
